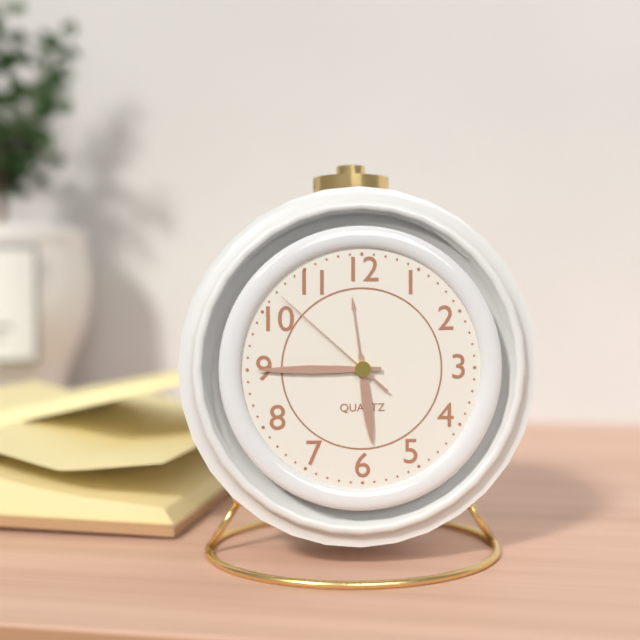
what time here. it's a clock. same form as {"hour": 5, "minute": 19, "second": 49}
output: {"hour": 5, "minute": 45, "second": 52}
